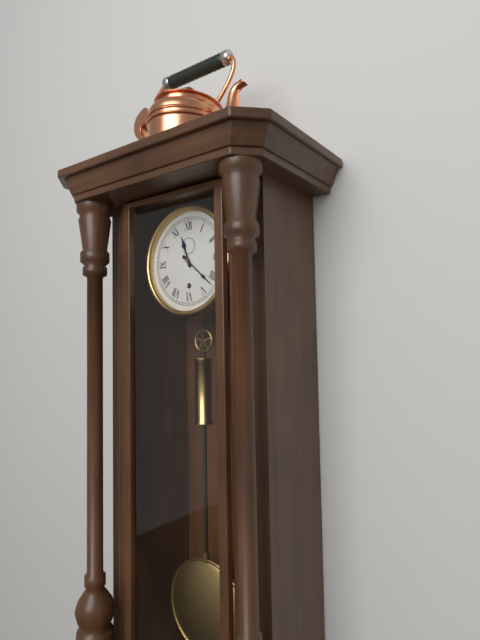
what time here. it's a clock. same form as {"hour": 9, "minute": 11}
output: {"hour": 11, "minute": 22}
